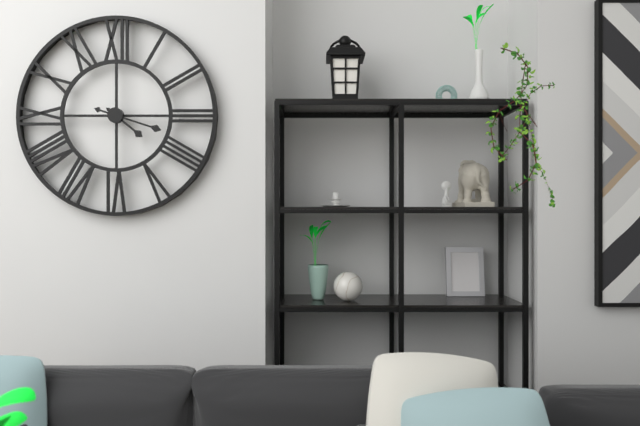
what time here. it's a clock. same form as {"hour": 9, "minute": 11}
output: {"hour": 4, "minute": 18}
